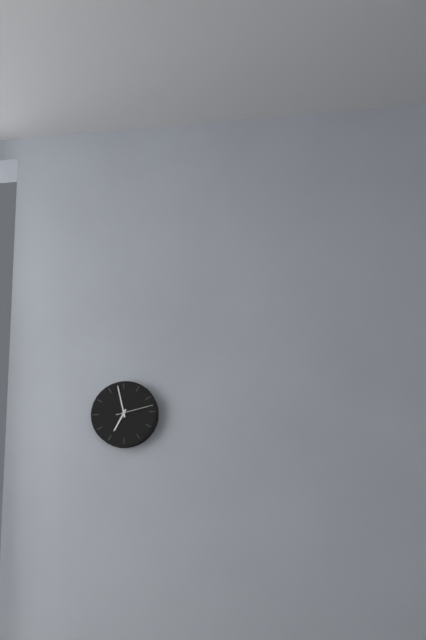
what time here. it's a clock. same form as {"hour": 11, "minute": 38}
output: {"hour": 6, "minute": 58}
